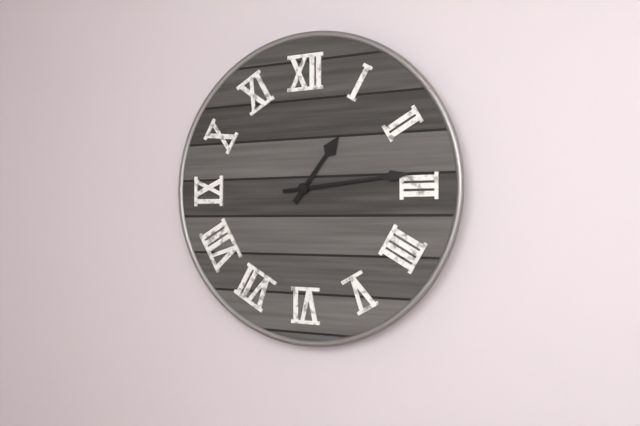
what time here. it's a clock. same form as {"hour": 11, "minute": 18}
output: {"hour": 1, "minute": 14}
